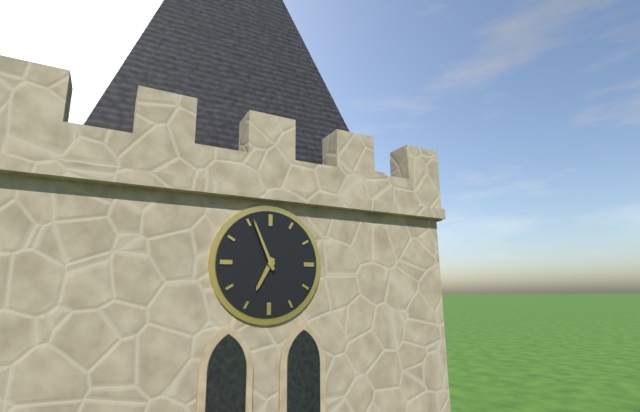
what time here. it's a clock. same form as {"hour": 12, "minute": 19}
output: {"hour": 6, "minute": 56}
